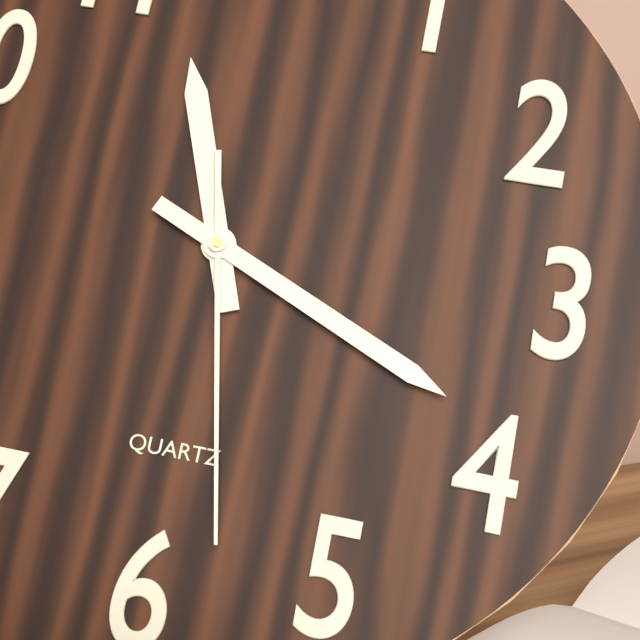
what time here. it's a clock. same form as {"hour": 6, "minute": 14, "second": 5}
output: {"hour": 11, "minute": 19, "second": 28}
